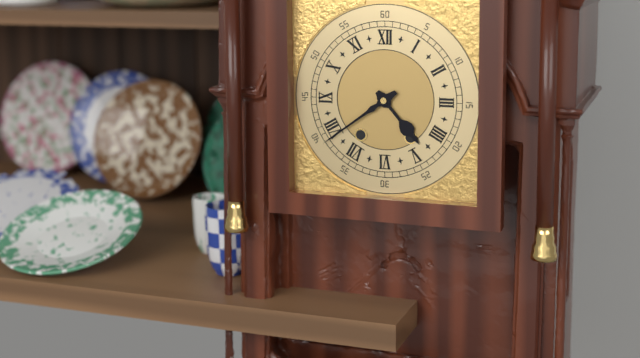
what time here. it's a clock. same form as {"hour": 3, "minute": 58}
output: {"hour": 4, "minute": 39}
